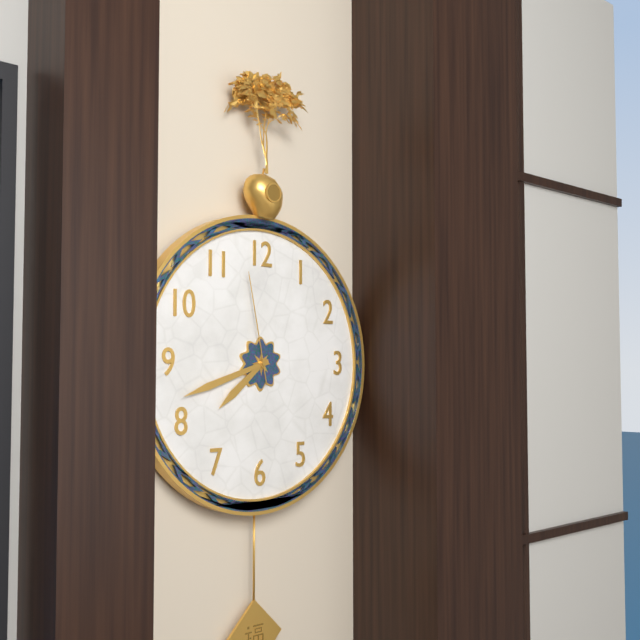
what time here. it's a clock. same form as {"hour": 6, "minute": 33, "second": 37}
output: {"hour": 7, "minute": 42, "second": 58}
